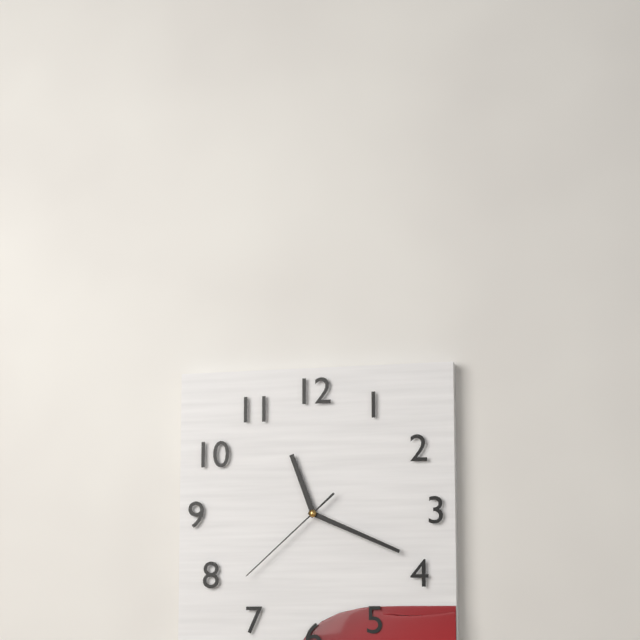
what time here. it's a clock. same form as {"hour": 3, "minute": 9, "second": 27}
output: {"hour": 11, "minute": 19, "second": 38}
